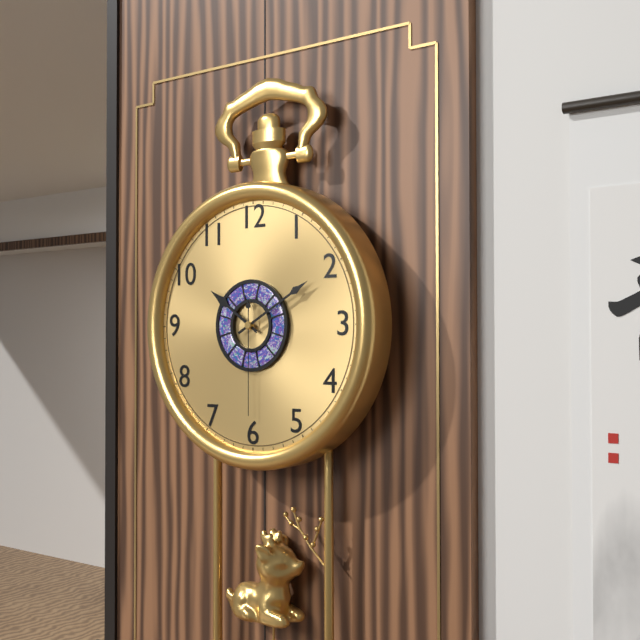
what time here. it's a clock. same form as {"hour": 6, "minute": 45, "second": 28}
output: {"hour": 10, "minute": 10, "second": 30}
